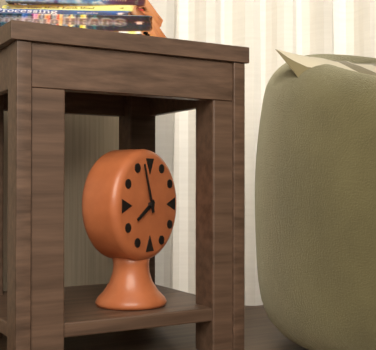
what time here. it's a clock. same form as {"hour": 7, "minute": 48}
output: {"hour": 7, "minute": 57}
